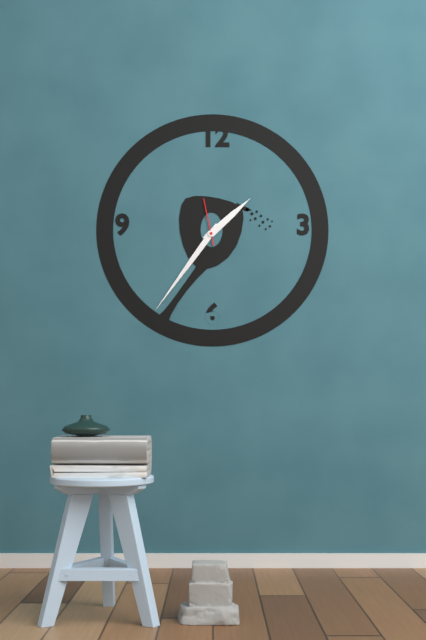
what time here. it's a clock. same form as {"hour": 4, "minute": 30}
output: {"hour": 1, "minute": 36}
